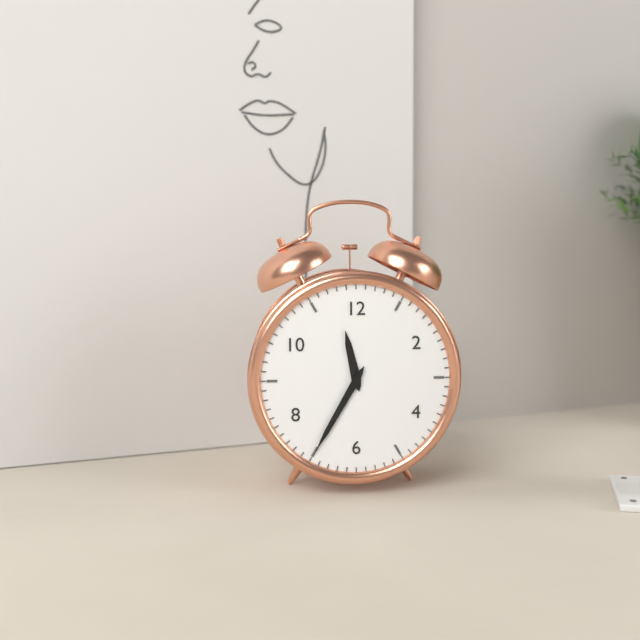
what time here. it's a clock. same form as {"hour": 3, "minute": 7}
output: {"hour": 11, "minute": 35}
